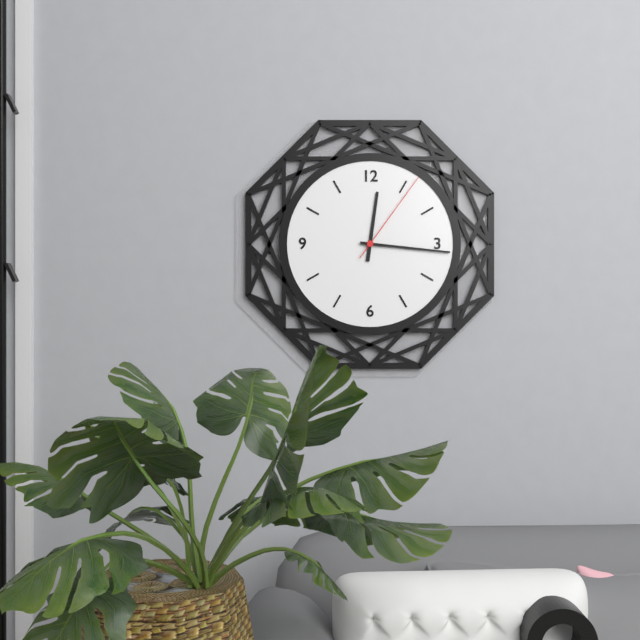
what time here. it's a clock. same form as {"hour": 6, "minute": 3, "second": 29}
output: {"hour": 12, "minute": 16, "second": 6}
